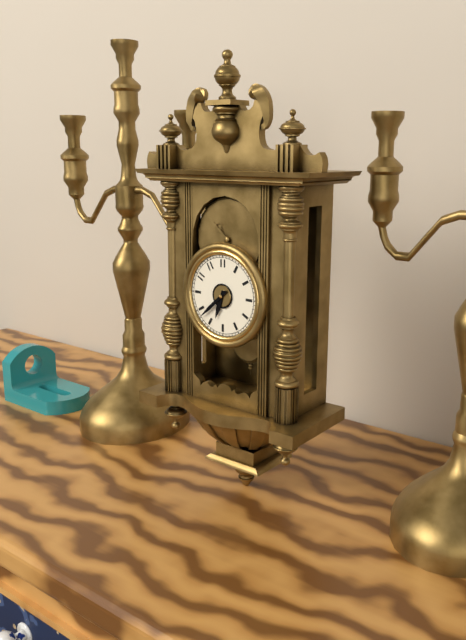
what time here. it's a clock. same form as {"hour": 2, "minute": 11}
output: {"hour": 6, "minute": 38}
